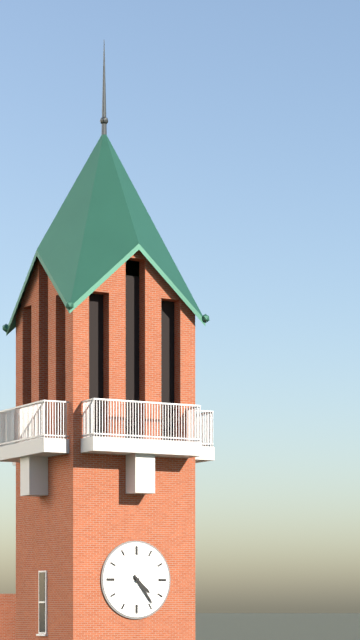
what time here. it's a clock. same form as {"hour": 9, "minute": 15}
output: {"hour": 4, "minute": 24}
